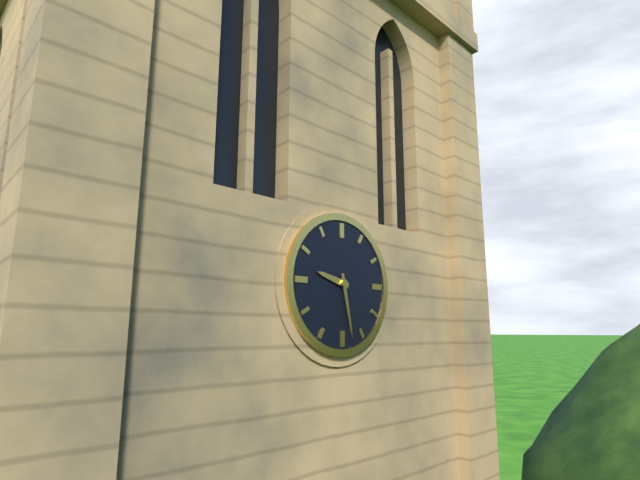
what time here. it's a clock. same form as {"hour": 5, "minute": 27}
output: {"hour": 9, "minute": 28}
